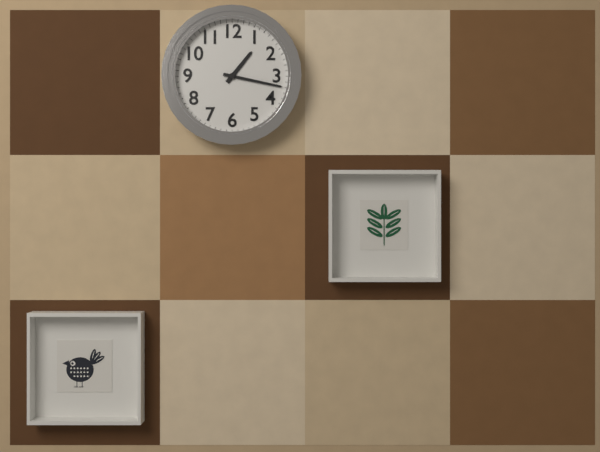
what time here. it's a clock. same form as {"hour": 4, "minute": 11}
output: {"hour": 1, "minute": 17}
